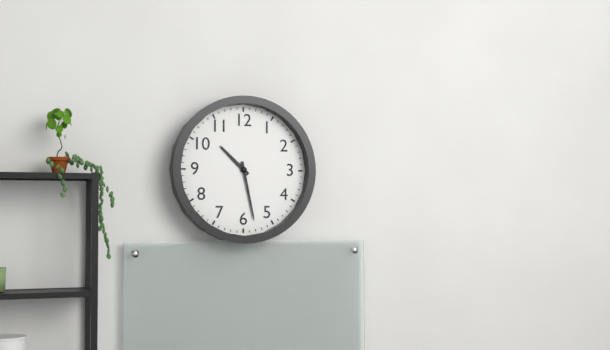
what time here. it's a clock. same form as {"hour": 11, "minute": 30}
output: {"hour": 10, "minute": 28}
